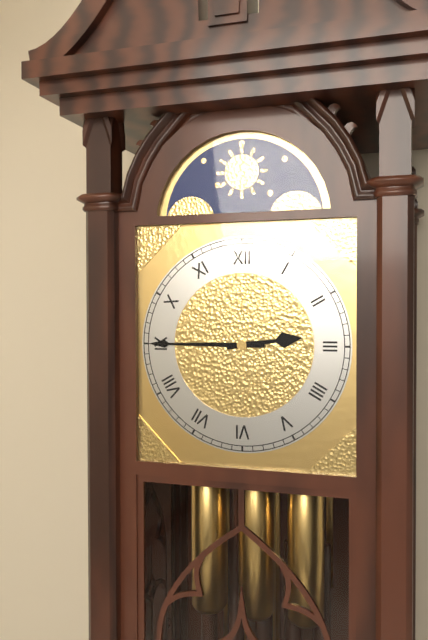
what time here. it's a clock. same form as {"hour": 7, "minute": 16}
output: {"hour": 2, "minute": 45}
